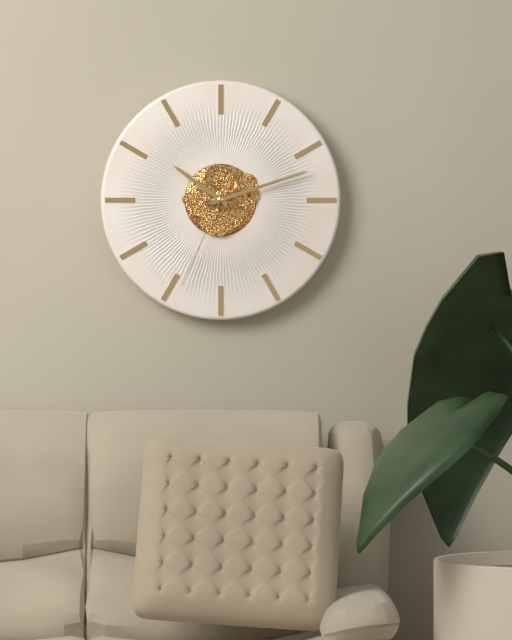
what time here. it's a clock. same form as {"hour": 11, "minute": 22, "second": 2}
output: {"hour": 10, "minute": 12, "second": 34}
